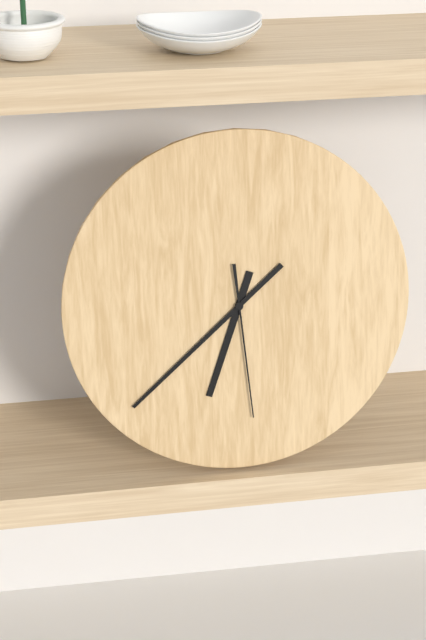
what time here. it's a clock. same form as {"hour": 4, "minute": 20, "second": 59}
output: {"hour": 6, "minute": 38, "second": 29}
